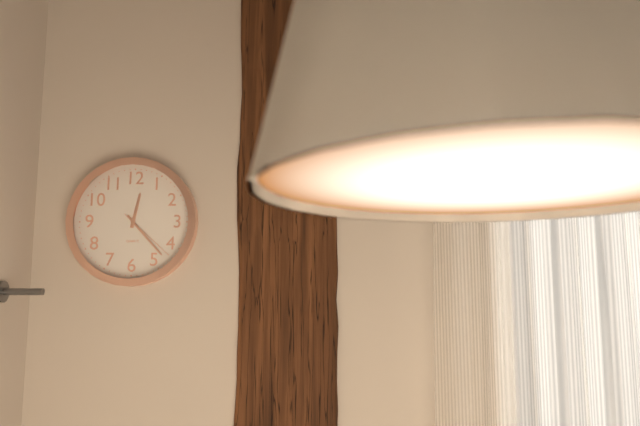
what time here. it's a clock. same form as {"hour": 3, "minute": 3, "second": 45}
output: {"hour": 12, "minute": 23, "second": 22}
